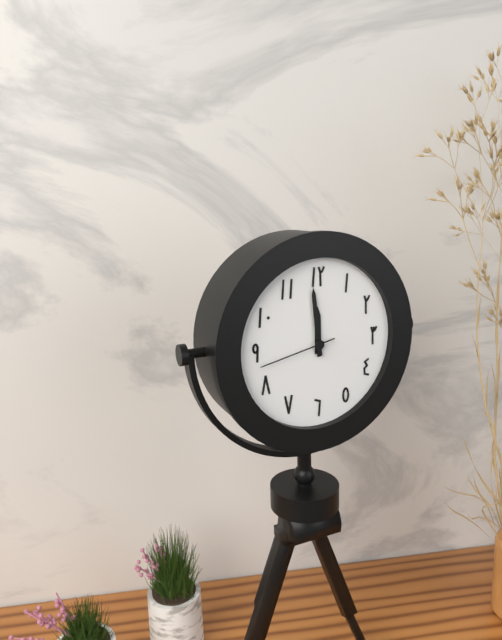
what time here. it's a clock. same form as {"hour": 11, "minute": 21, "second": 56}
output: {"hour": 11, "minute": 59, "second": 43}
